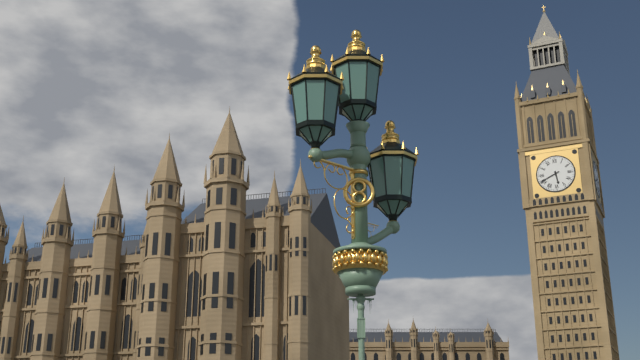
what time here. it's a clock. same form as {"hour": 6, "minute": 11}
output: {"hour": 5, "minute": 41}
